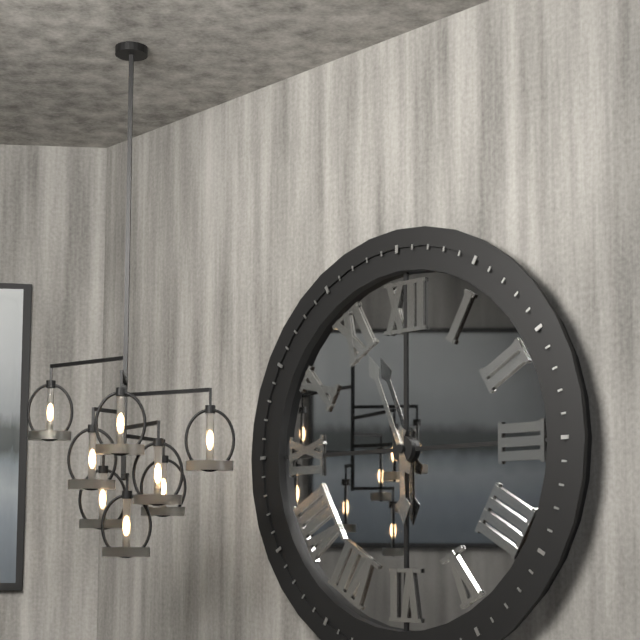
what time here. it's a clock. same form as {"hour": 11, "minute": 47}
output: {"hour": 5, "minute": 56}
